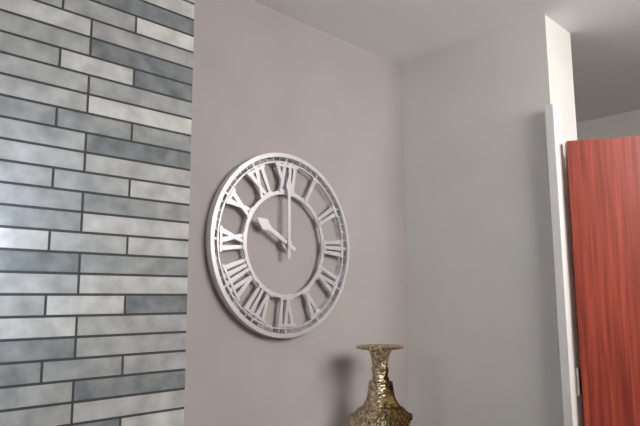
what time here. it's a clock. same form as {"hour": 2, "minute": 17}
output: {"hour": 10, "minute": 0}
